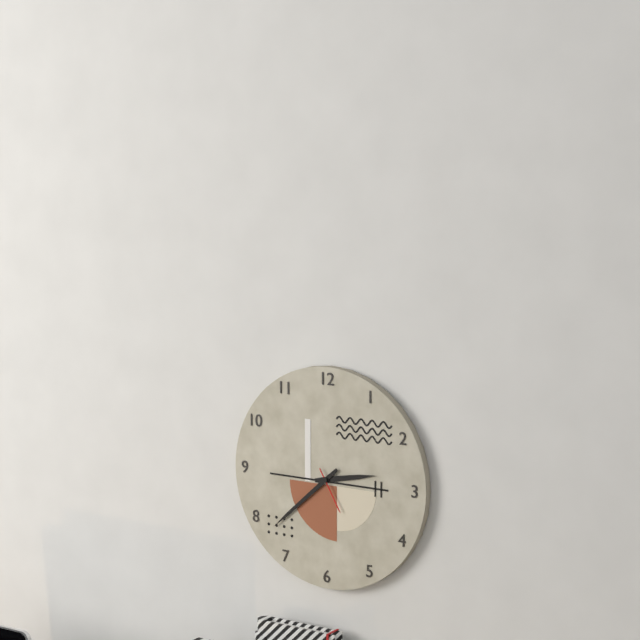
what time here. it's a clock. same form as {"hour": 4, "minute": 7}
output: {"hour": 2, "minute": 38}
